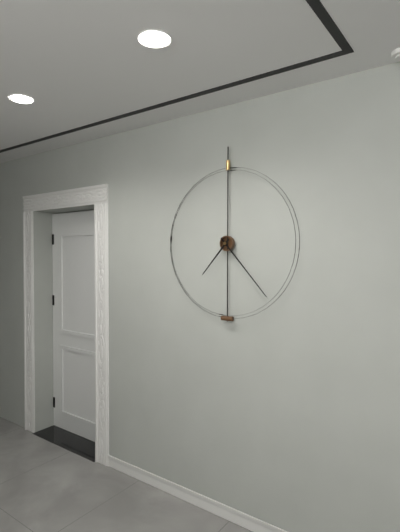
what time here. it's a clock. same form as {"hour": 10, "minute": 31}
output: {"hour": 7, "minute": 23}
